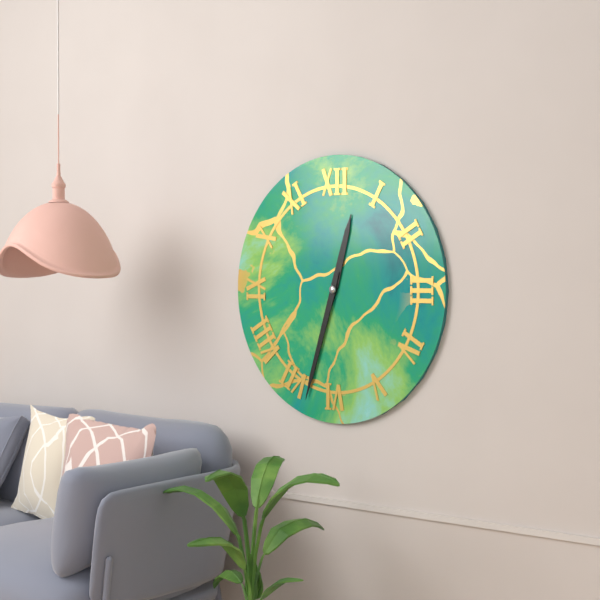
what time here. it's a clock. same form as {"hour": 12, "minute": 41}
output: {"hour": 12, "minute": 33}
